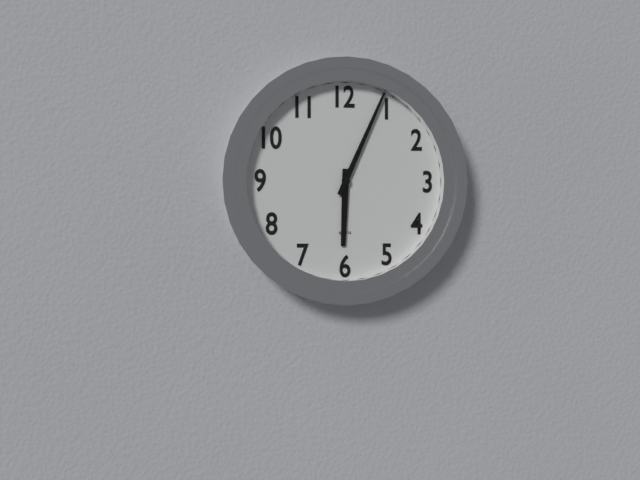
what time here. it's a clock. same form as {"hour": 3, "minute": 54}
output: {"hour": 6, "minute": 4}
